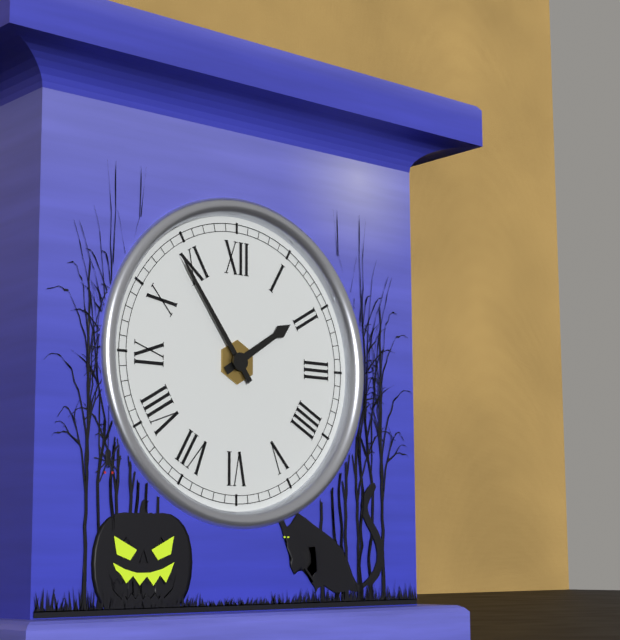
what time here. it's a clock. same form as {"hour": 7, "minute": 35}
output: {"hour": 1, "minute": 54}
